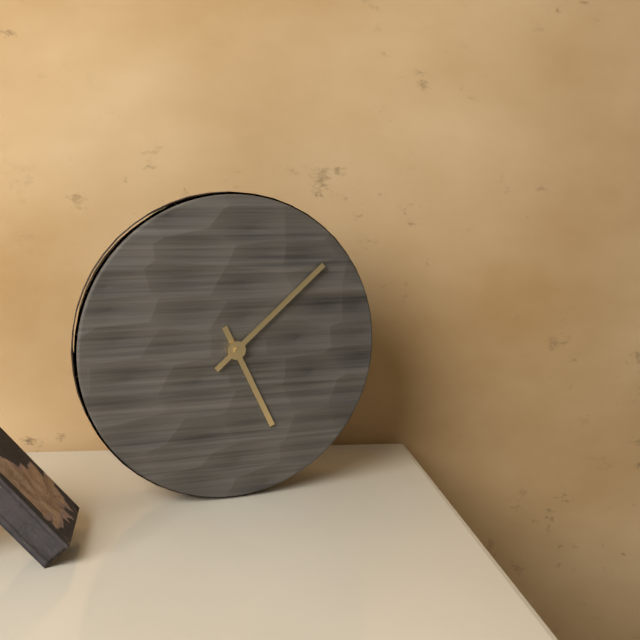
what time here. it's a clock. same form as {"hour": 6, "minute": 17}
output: {"hour": 5, "minute": 8}
